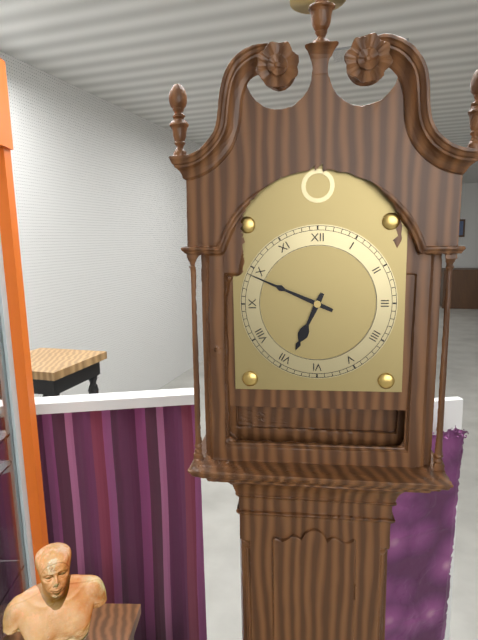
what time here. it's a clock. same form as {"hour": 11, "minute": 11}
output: {"hour": 6, "minute": 49}
